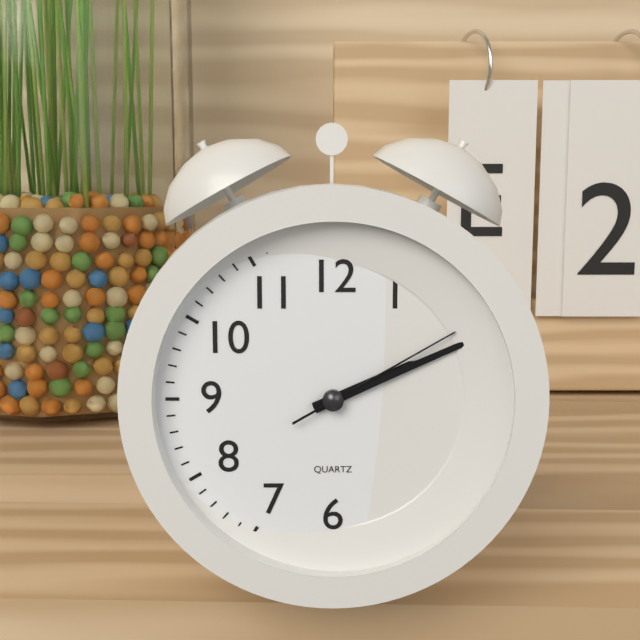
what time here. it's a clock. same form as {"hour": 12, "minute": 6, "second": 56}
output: {"hour": 2, "minute": 11, "second": 10}
